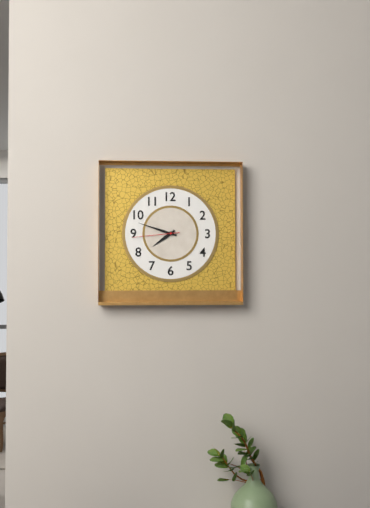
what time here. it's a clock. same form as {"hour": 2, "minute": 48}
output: {"hour": 7, "minute": 48}
